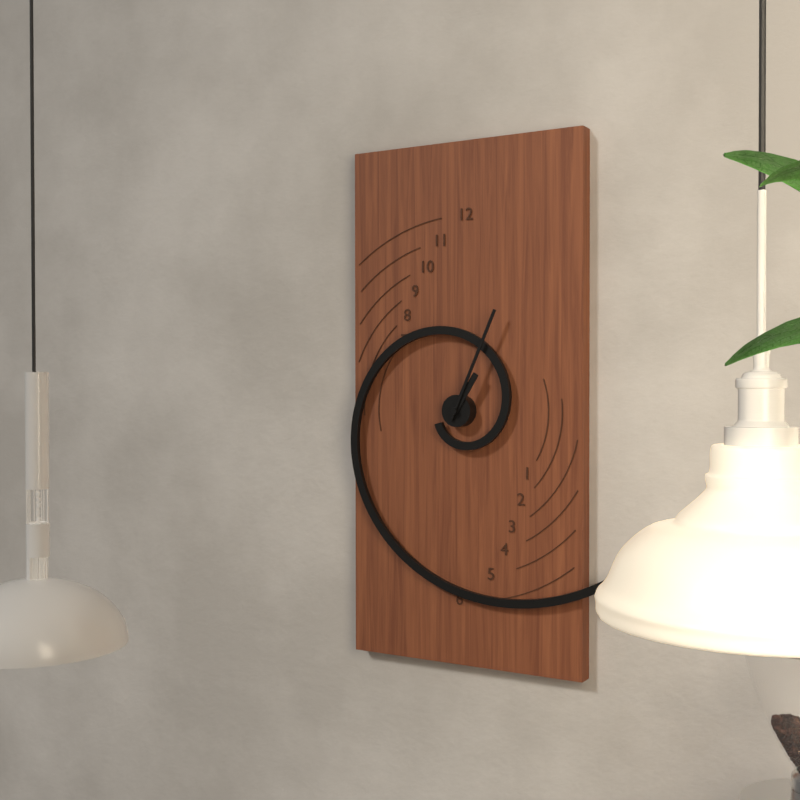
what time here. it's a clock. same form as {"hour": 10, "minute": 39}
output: {"hour": 1, "minute": 4}
